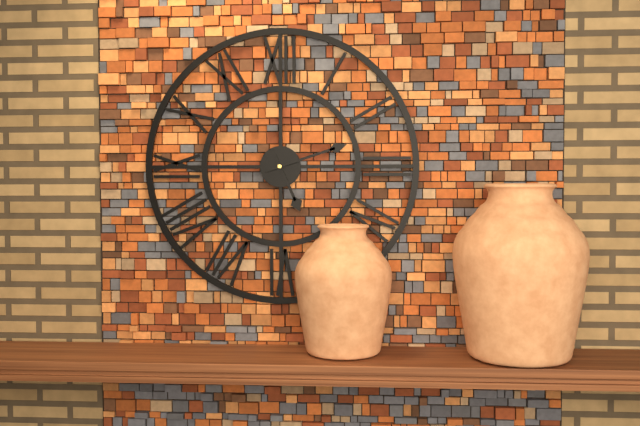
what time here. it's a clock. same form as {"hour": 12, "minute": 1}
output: {"hour": 5, "minute": 12}
